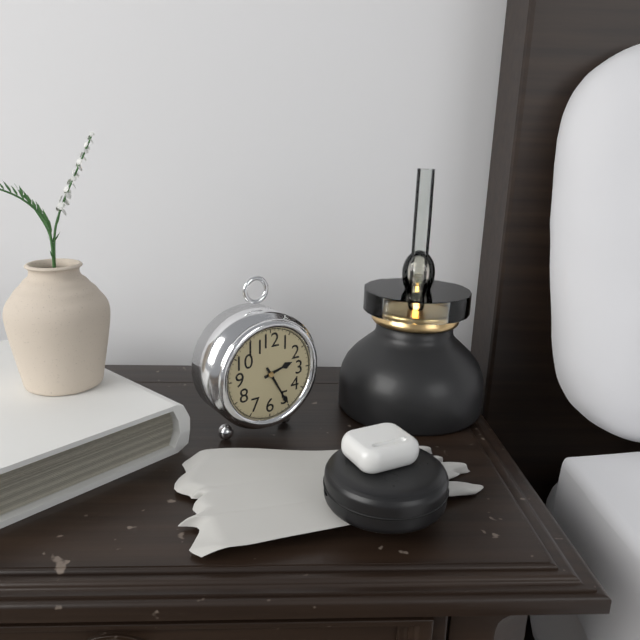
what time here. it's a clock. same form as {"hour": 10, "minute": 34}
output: {"hour": 2, "minute": 25}
